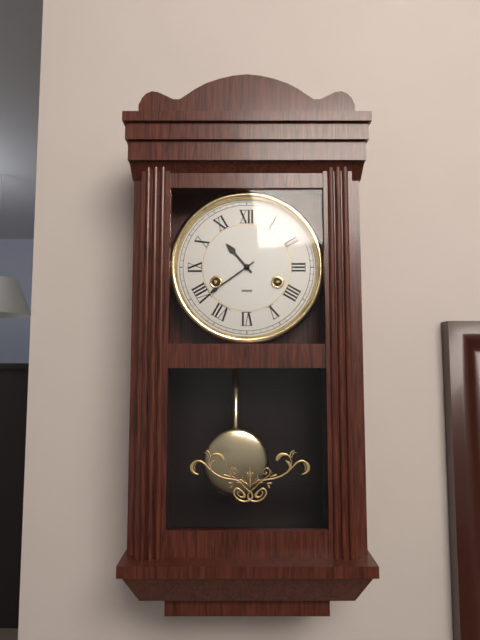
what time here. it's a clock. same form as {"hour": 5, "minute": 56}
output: {"hour": 10, "minute": 39}
